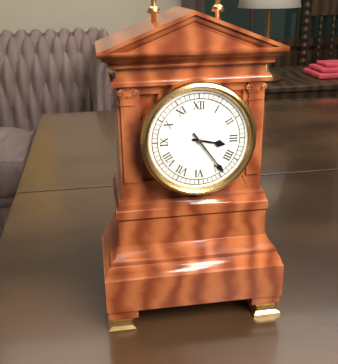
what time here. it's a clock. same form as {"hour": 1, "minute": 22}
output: {"hour": 3, "minute": 24}
